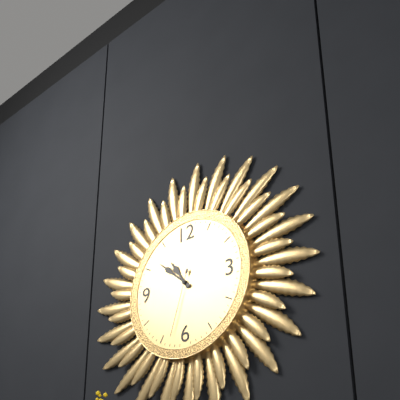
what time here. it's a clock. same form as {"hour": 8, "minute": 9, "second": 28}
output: {"hour": 10, "minute": 52, "second": 33}
